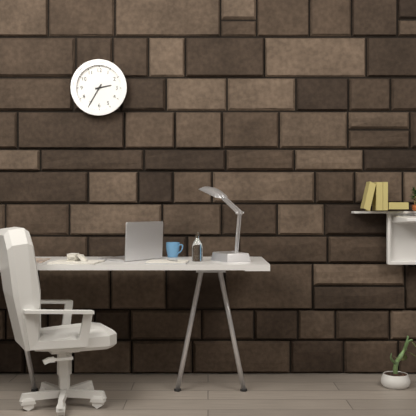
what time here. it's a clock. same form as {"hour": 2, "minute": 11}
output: {"hour": 2, "minute": 35}
